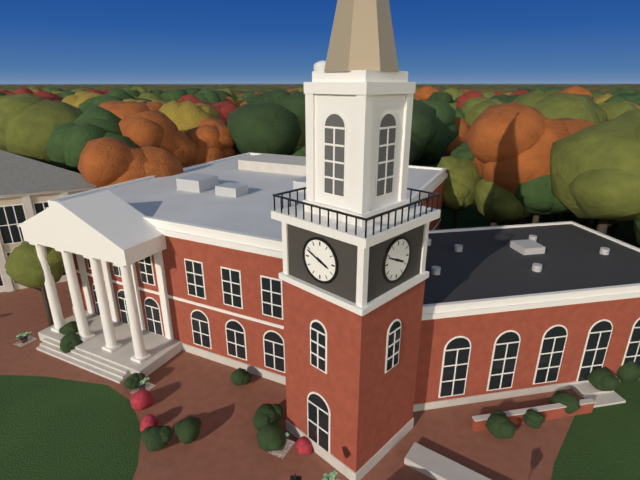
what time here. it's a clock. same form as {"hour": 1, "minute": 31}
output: {"hour": 3, "minute": 49}
